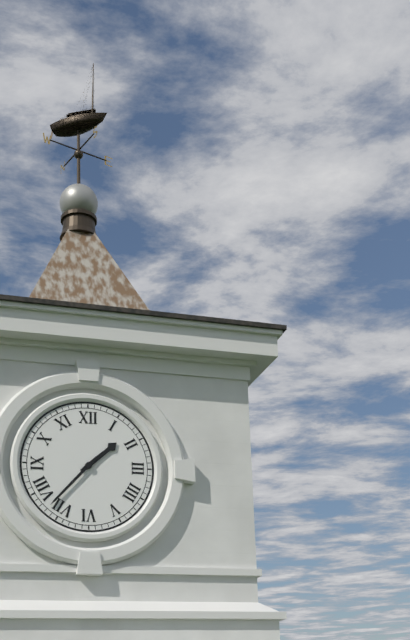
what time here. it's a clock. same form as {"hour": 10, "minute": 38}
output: {"hour": 1, "minute": 37}
